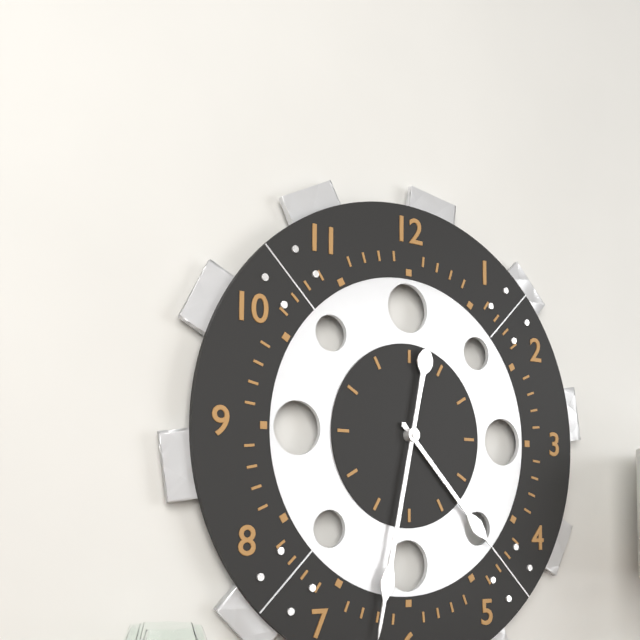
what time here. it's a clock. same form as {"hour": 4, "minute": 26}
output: {"hour": 4, "minute": 32}
